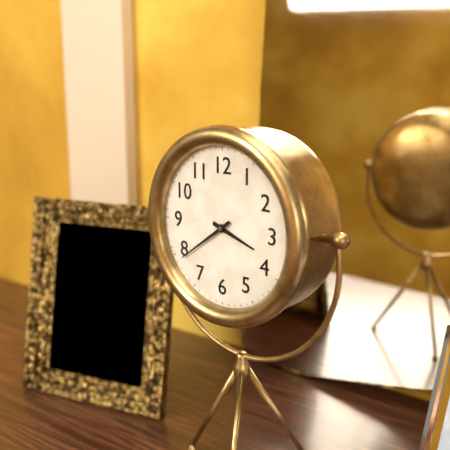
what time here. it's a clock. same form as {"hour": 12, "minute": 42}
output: {"hour": 3, "minute": 39}
